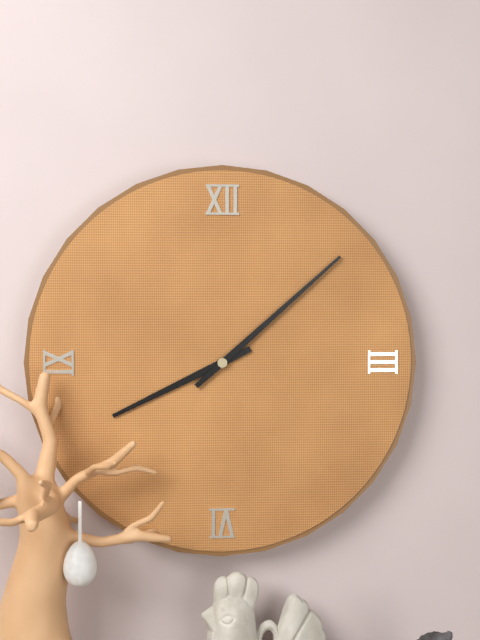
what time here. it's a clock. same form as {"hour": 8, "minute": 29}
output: {"hour": 8, "minute": 8}
